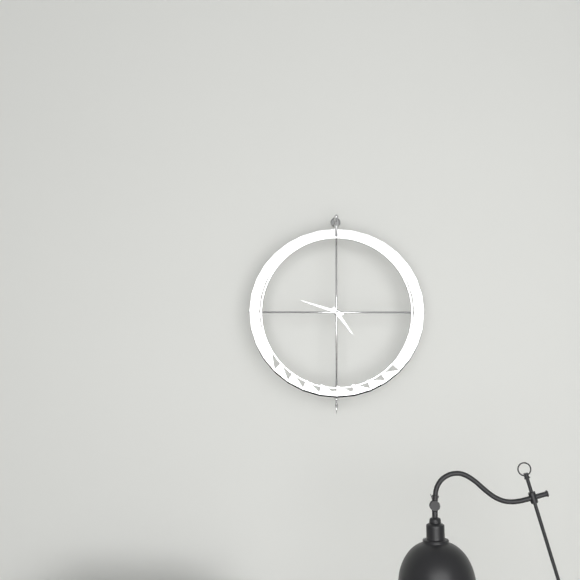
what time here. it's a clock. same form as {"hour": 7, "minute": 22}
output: {"hour": 4, "minute": 48}
